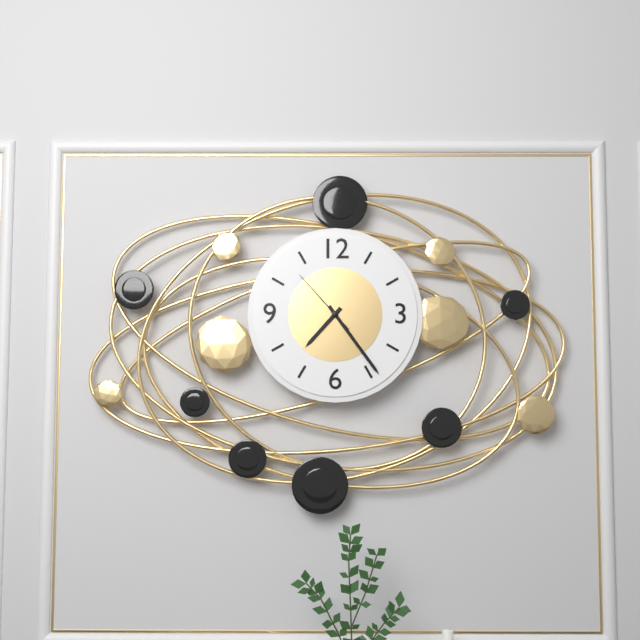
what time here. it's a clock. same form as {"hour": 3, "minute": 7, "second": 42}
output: {"hour": 7, "minute": 24, "second": 53}
